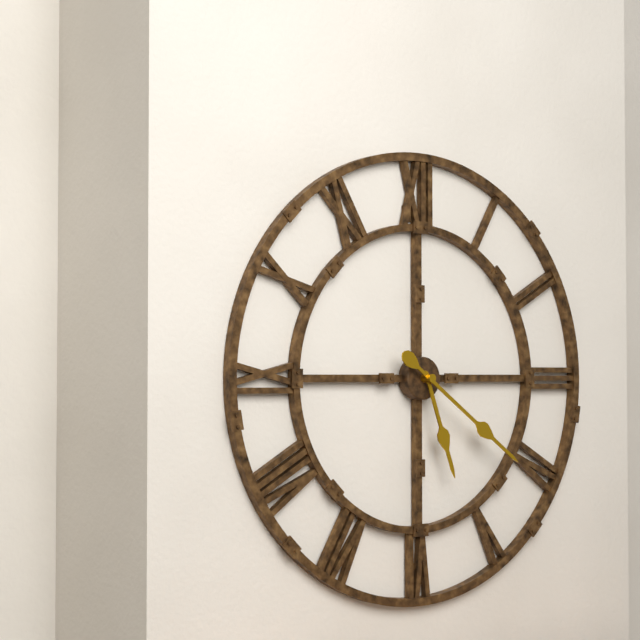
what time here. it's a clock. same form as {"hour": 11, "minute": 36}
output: {"hour": 5, "minute": 21}
